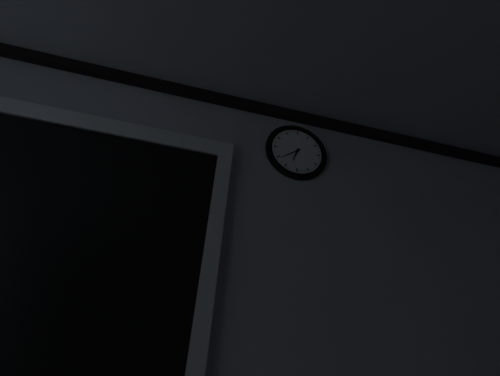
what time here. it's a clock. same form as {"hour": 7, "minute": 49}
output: {"hour": 6, "minute": 39}
